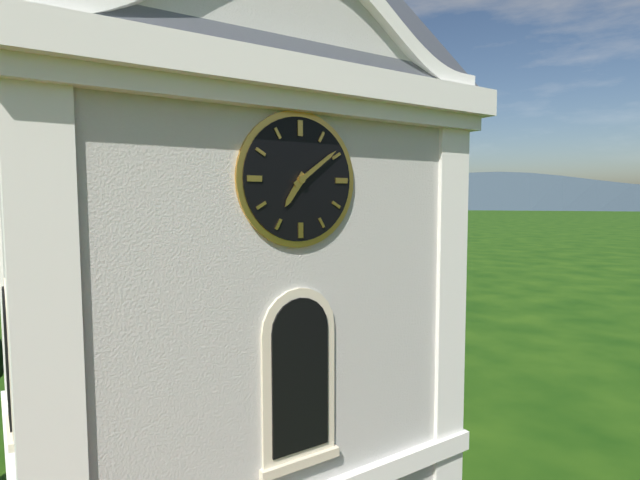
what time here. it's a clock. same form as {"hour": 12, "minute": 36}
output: {"hour": 7, "minute": 9}
